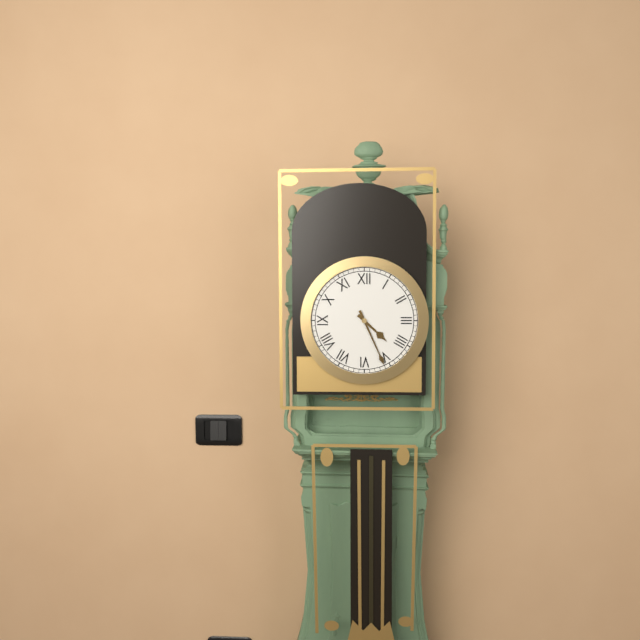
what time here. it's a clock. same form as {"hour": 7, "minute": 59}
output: {"hour": 4, "minute": 26}
